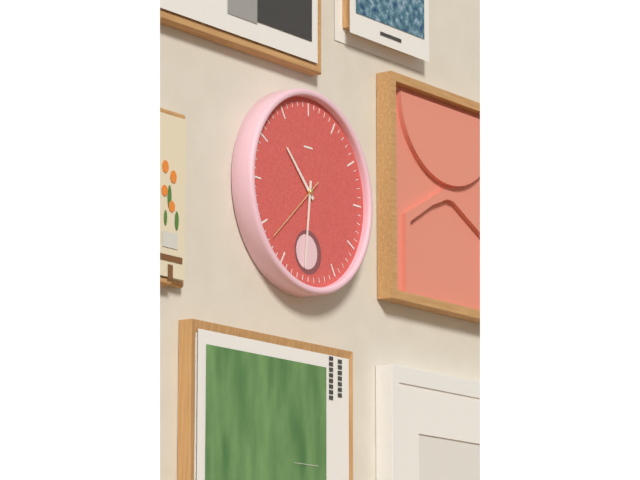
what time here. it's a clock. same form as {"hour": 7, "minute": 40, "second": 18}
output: {"hour": 10, "minute": 31, "second": 38}
